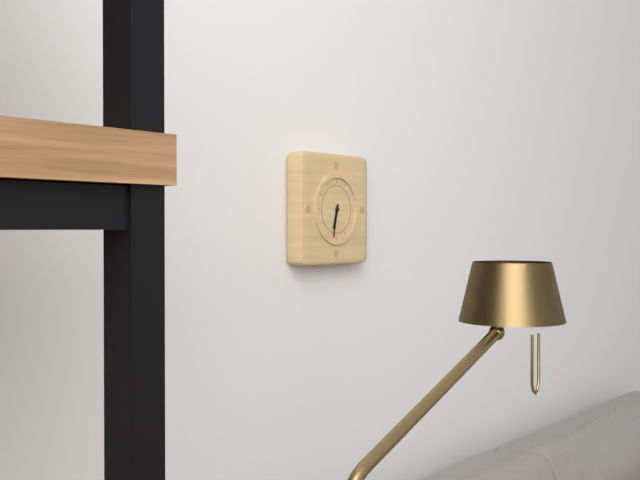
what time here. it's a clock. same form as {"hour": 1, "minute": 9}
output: {"hour": 6, "minute": 32}
